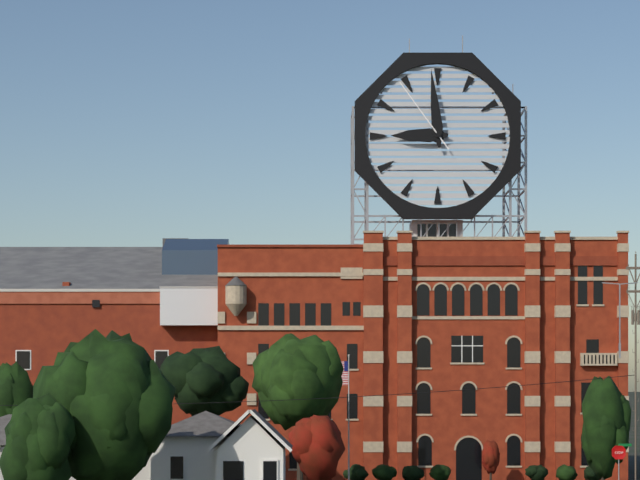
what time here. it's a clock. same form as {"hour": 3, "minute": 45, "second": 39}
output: {"hour": 8, "minute": 59, "second": 54}
